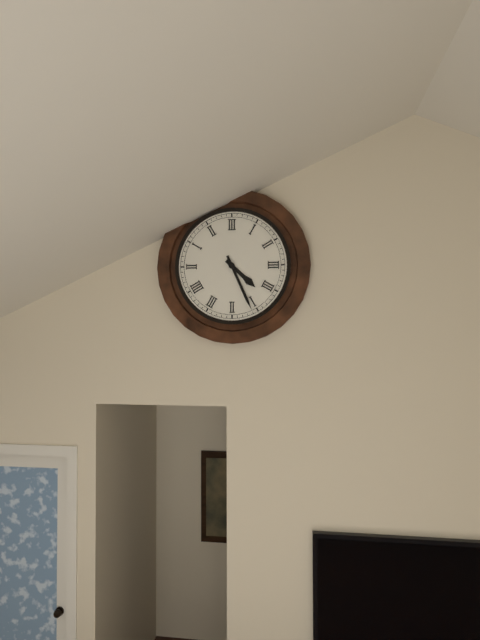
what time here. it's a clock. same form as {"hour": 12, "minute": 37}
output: {"hour": 4, "minute": 26}
